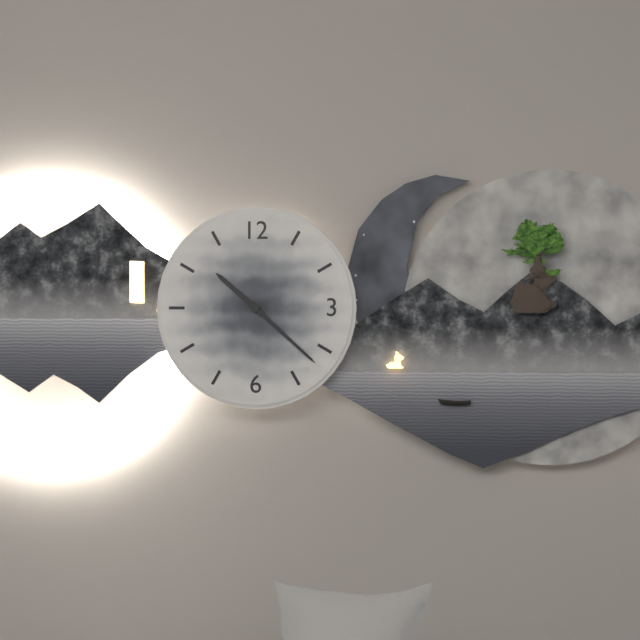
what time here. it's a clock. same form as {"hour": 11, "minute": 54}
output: {"hour": 10, "minute": 22}
